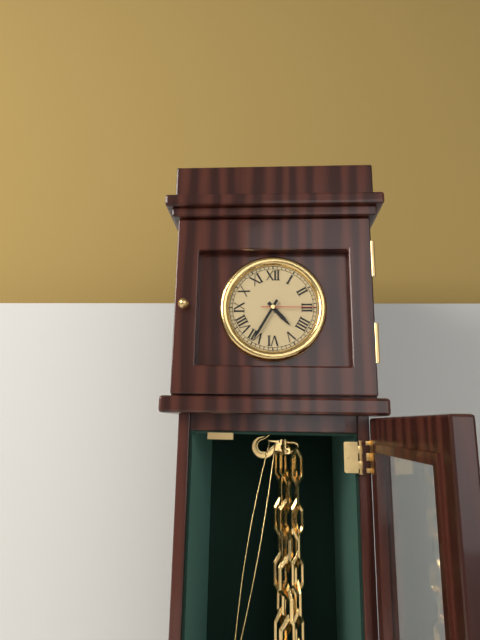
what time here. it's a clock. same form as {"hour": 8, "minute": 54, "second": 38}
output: {"hour": 4, "minute": 35, "second": 15}
